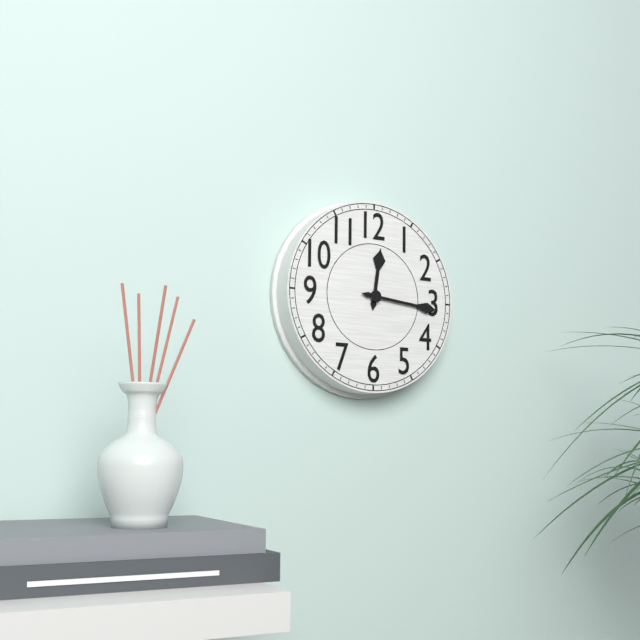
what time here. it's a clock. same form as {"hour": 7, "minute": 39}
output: {"hour": 12, "minute": 16}
